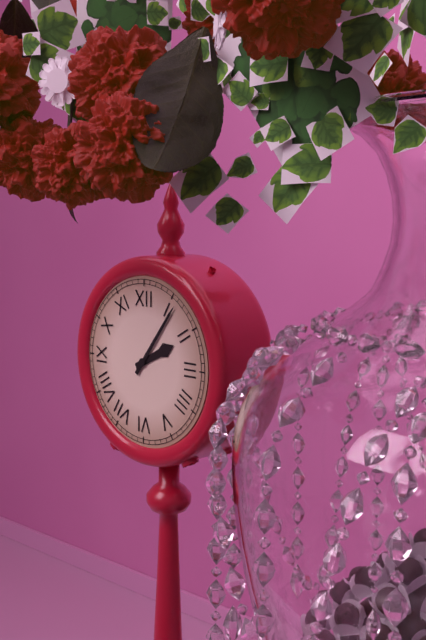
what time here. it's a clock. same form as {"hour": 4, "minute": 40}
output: {"hour": 2, "minute": 6}
